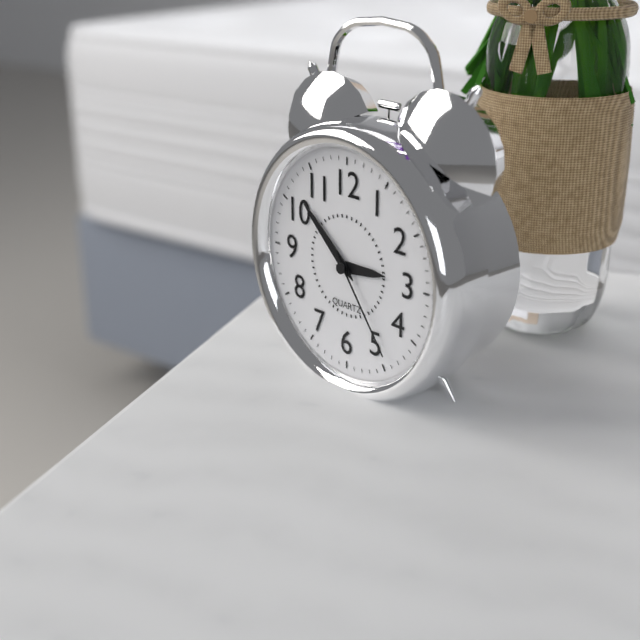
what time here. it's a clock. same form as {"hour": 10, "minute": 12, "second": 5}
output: {"hour": 2, "minute": 52, "second": 24}
